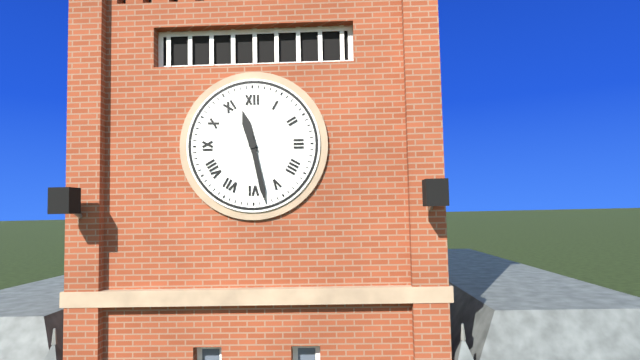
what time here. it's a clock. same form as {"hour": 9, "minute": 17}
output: {"hour": 11, "minute": 28}
